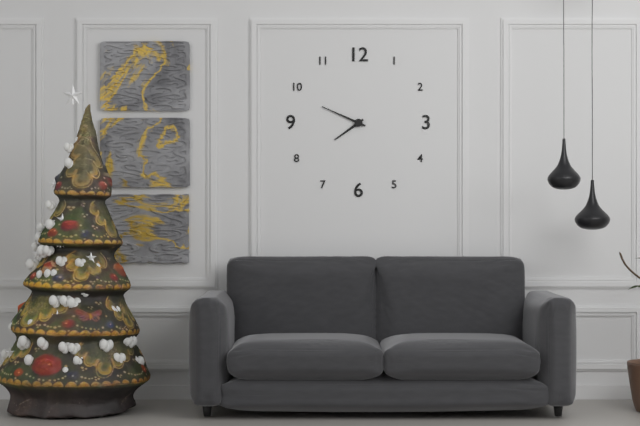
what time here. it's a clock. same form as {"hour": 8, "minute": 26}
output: {"hour": 7, "minute": 49}
